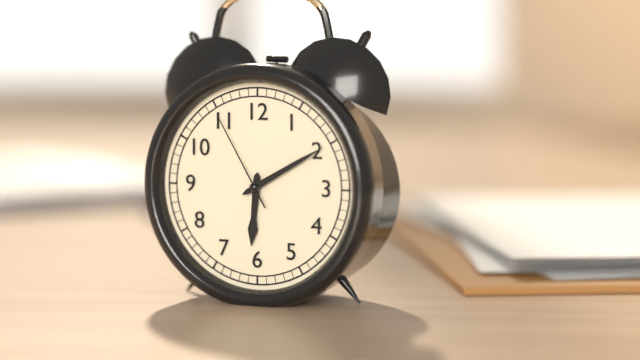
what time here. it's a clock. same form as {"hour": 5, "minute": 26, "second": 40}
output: {"hour": 6, "minute": 10, "second": 55}
